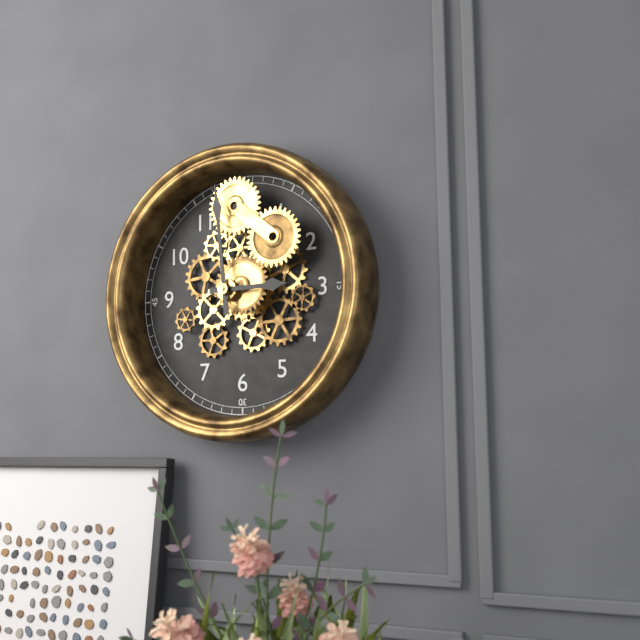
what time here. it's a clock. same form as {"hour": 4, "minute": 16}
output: {"hour": 2, "minute": 59}
